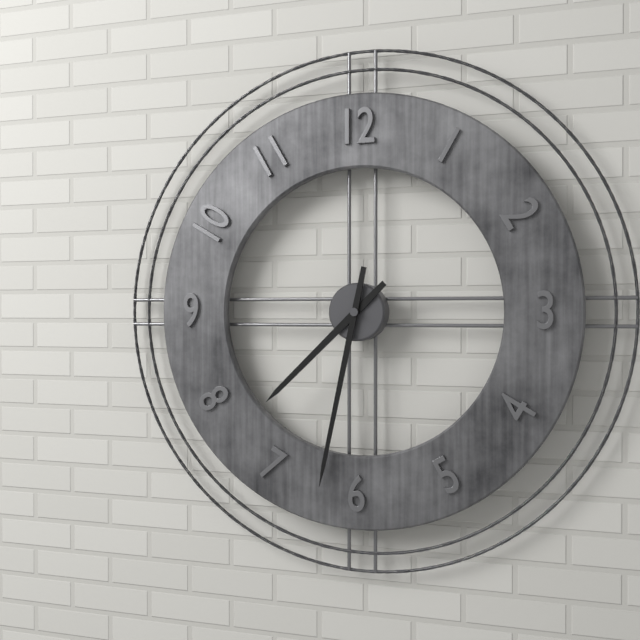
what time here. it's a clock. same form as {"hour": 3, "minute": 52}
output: {"hour": 7, "minute": 32}
